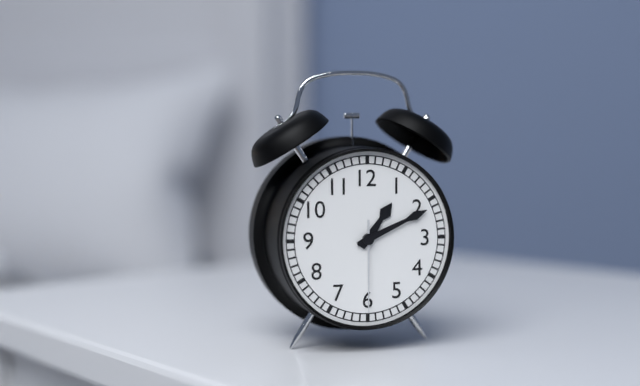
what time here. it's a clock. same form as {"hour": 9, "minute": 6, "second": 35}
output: {"hour": 1, "minute": 11, "second": 30}
